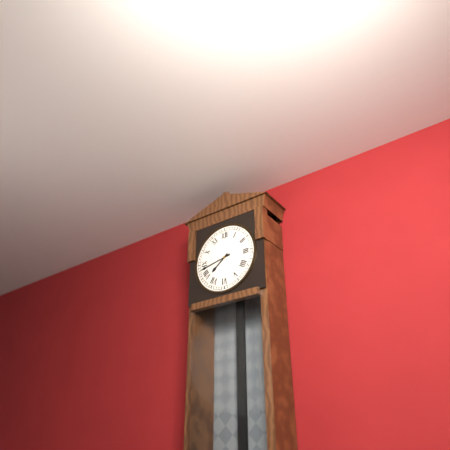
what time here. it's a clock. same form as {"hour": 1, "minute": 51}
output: {"hour": 7, "minute": 43}
